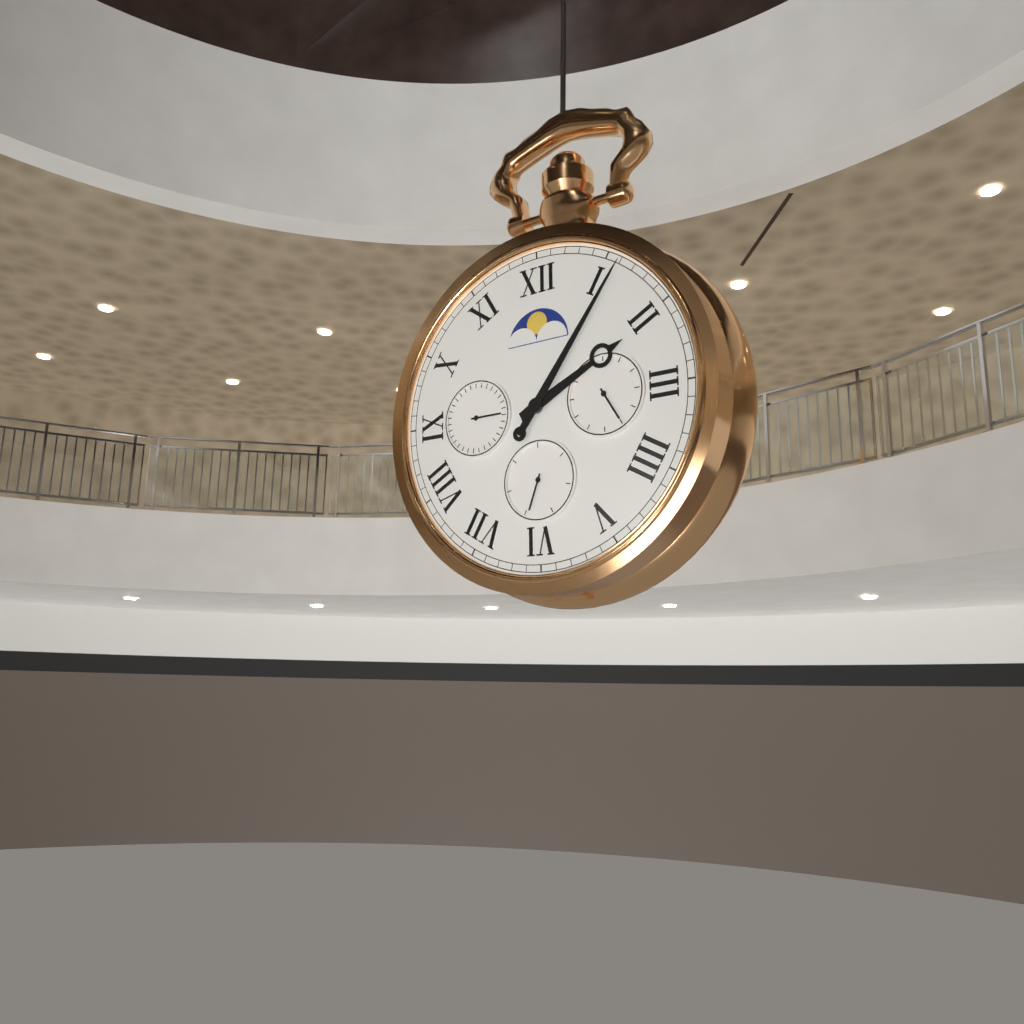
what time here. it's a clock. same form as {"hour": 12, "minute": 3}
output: {"hour": 2, "minute": 6}
